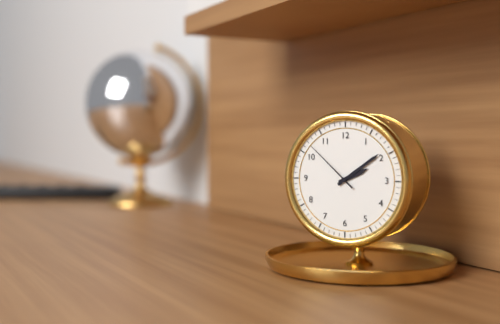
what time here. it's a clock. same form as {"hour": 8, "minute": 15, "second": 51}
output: {"hour": 2, "minute": 9, "second": 52}
